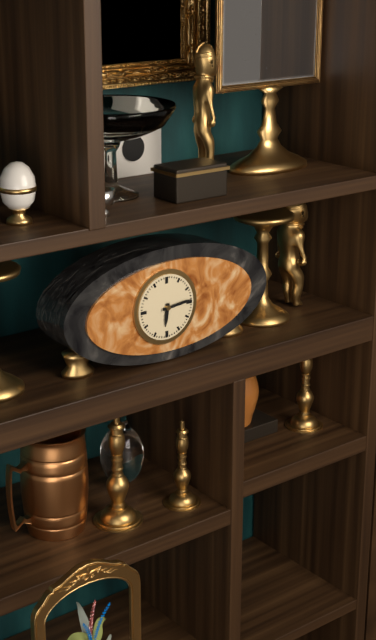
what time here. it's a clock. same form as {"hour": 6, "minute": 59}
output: {"hour": 6, "minute": 14}
